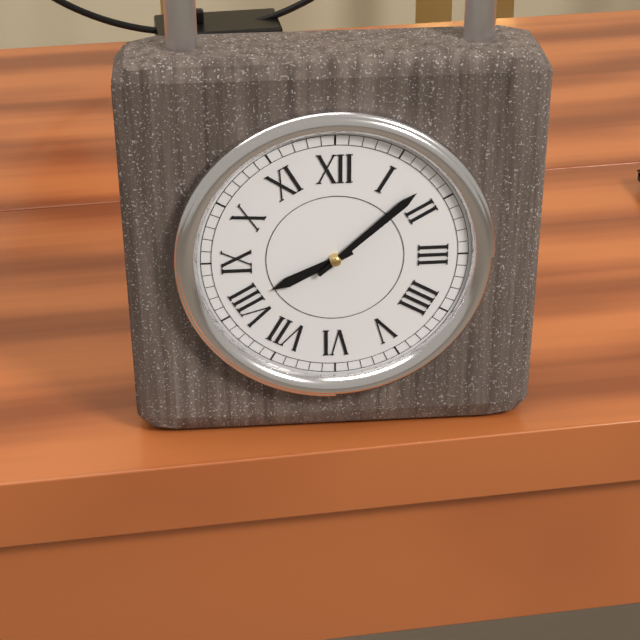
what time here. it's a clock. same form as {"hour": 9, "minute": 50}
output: {"hour": 8, "minute": 8}
